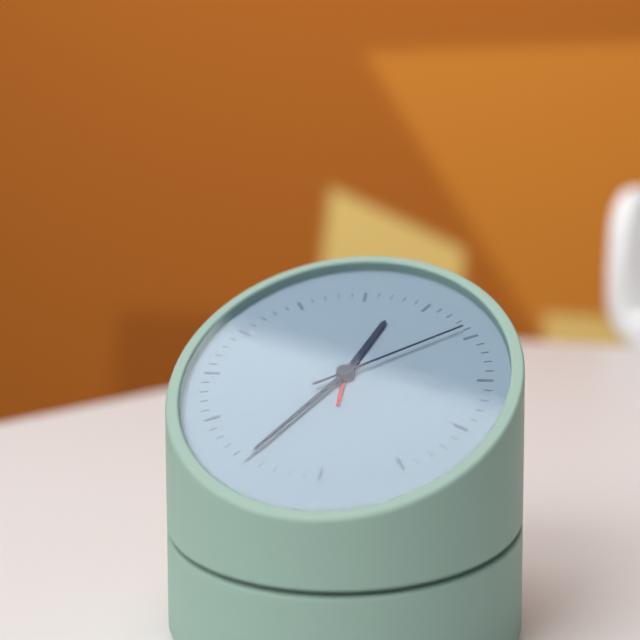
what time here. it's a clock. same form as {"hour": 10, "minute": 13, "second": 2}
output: {"hour": 12, "minute": 35, "second": 9}
